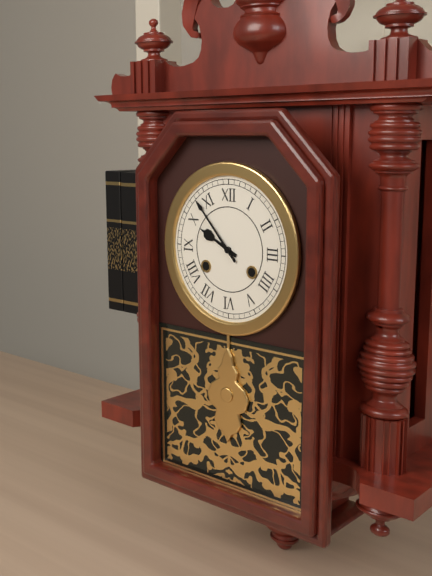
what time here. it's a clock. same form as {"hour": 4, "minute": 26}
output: {"hour": 9, "minute": 53}
